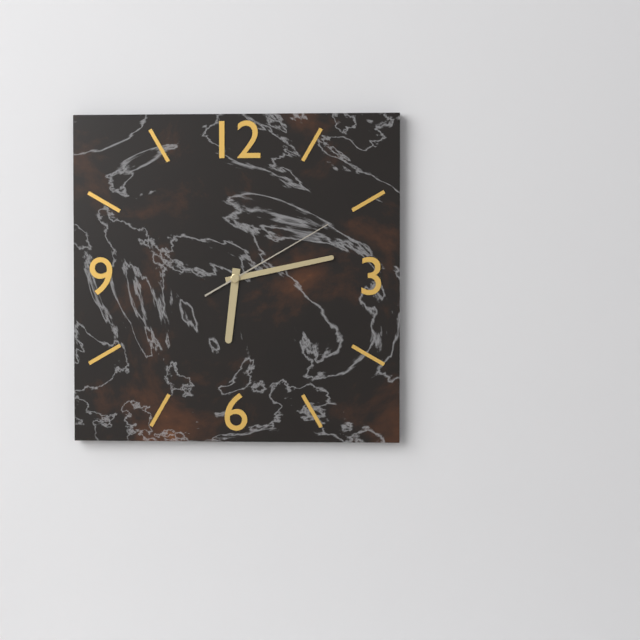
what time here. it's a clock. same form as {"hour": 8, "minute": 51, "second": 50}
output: {"hour": 6, "minute": 13, "second": 10}
